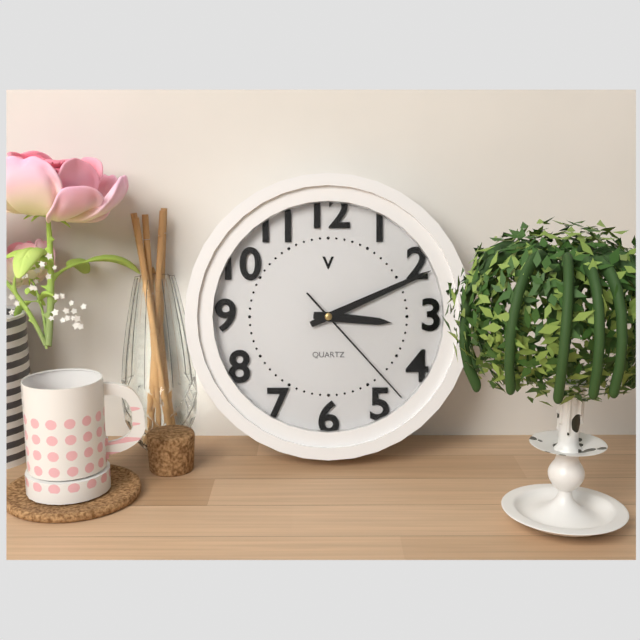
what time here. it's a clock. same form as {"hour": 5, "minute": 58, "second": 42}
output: {"hour": 3, "minute": 11, "second": 23}
